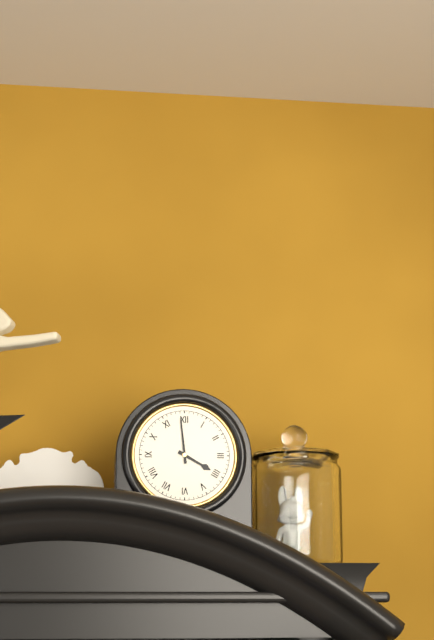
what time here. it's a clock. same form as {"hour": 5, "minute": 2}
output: {"hour": 3, "minute": 59}
